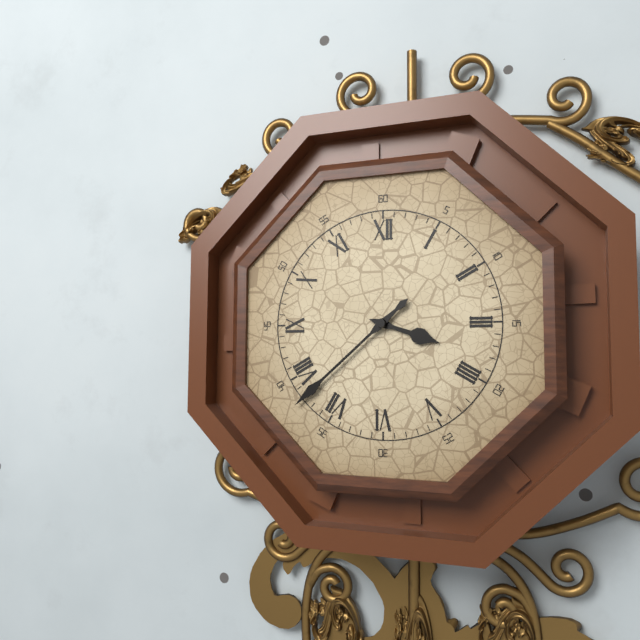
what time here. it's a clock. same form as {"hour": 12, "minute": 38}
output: {"hour": 3, "minute": 38}
